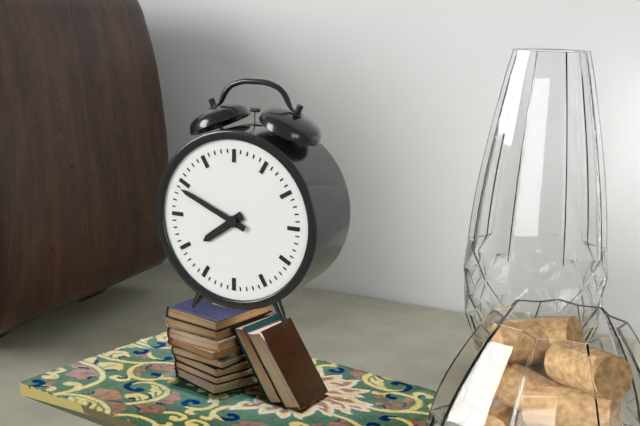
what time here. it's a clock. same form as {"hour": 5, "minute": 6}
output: {"hour": 7, "minute": 49}
